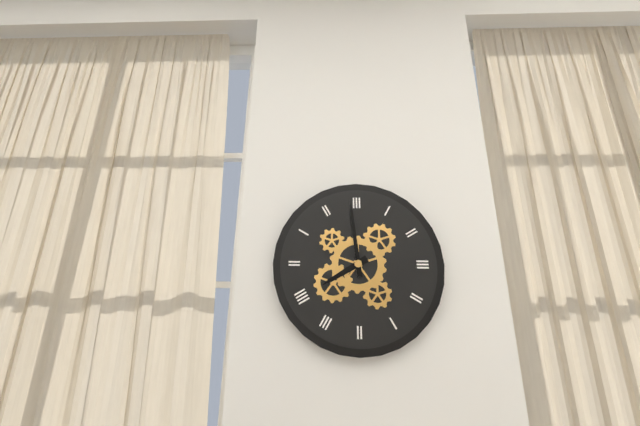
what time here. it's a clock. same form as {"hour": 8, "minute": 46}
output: {"hour": 7, "minute": 59}
